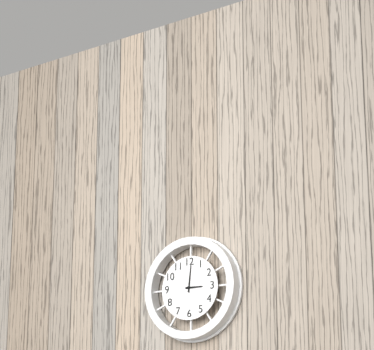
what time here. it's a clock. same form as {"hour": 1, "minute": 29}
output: {"hour": 3, "minute": 1}
